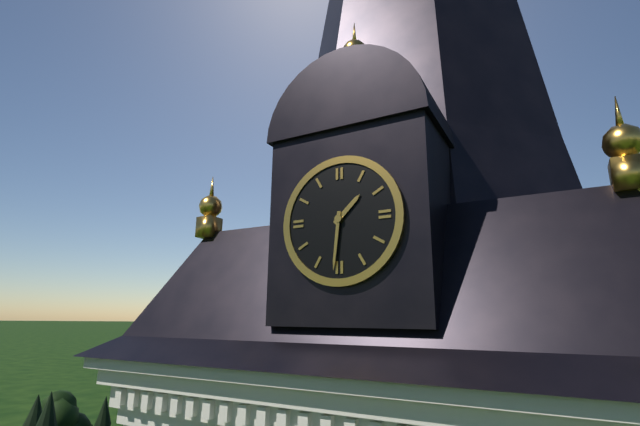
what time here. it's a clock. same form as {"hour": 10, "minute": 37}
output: {"hour": 1, "minute": 31}
